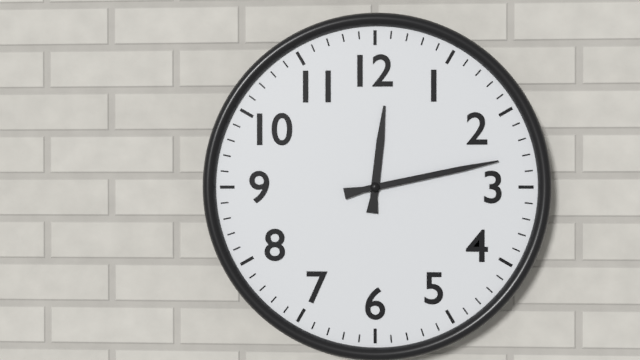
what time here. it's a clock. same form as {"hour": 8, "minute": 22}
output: {"hour": 12, "minute": 13}
